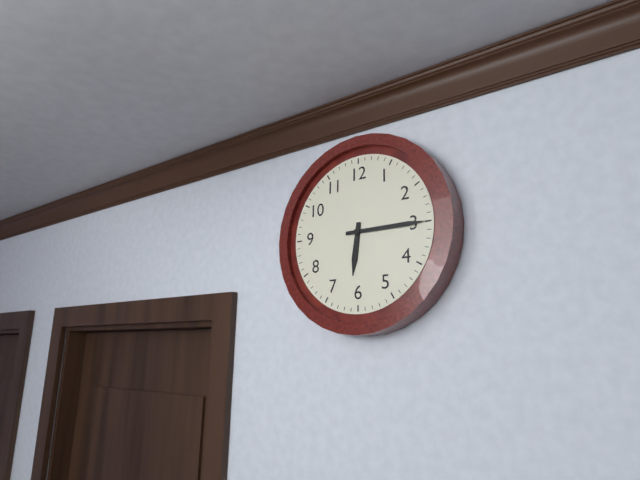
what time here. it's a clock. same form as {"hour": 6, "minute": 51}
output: {"hour": 6, "minute": 15}
